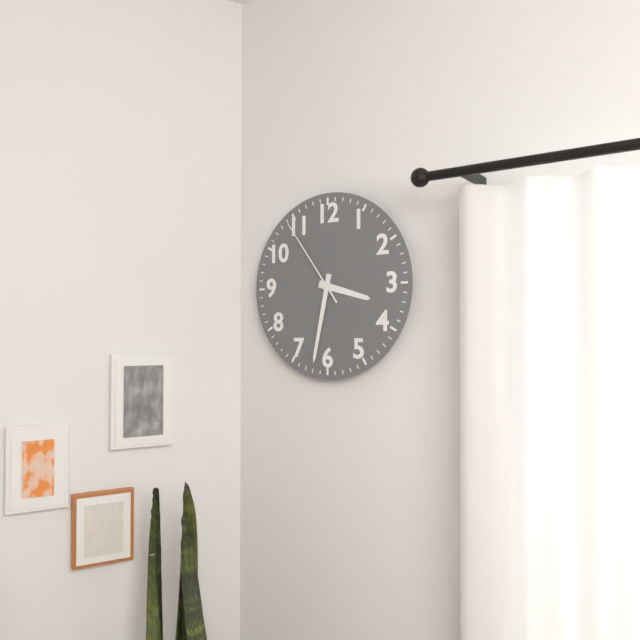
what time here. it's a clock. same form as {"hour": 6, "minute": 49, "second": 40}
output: {"hour": 3, "minute": 32, "second": 54}
